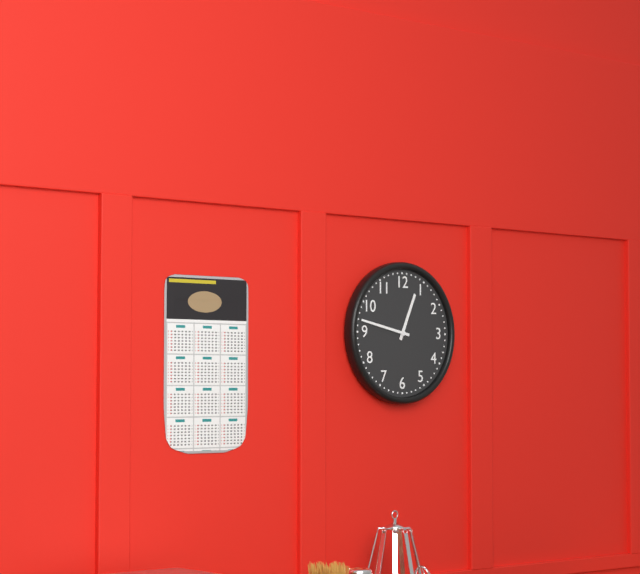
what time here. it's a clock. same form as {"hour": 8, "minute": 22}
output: {"hour": 12, "minute": 47}
